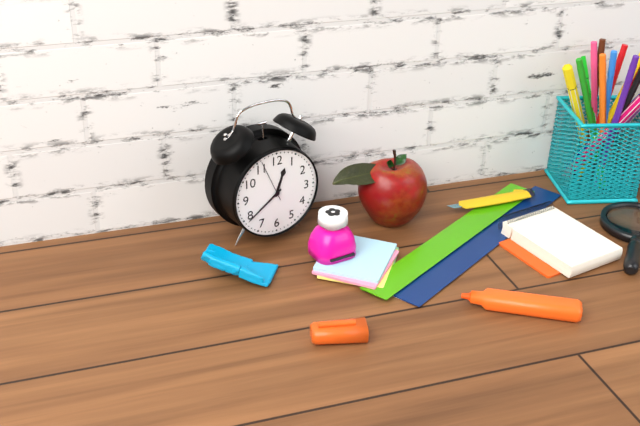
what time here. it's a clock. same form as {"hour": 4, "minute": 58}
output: {"hour": 12, "minute": 39}
